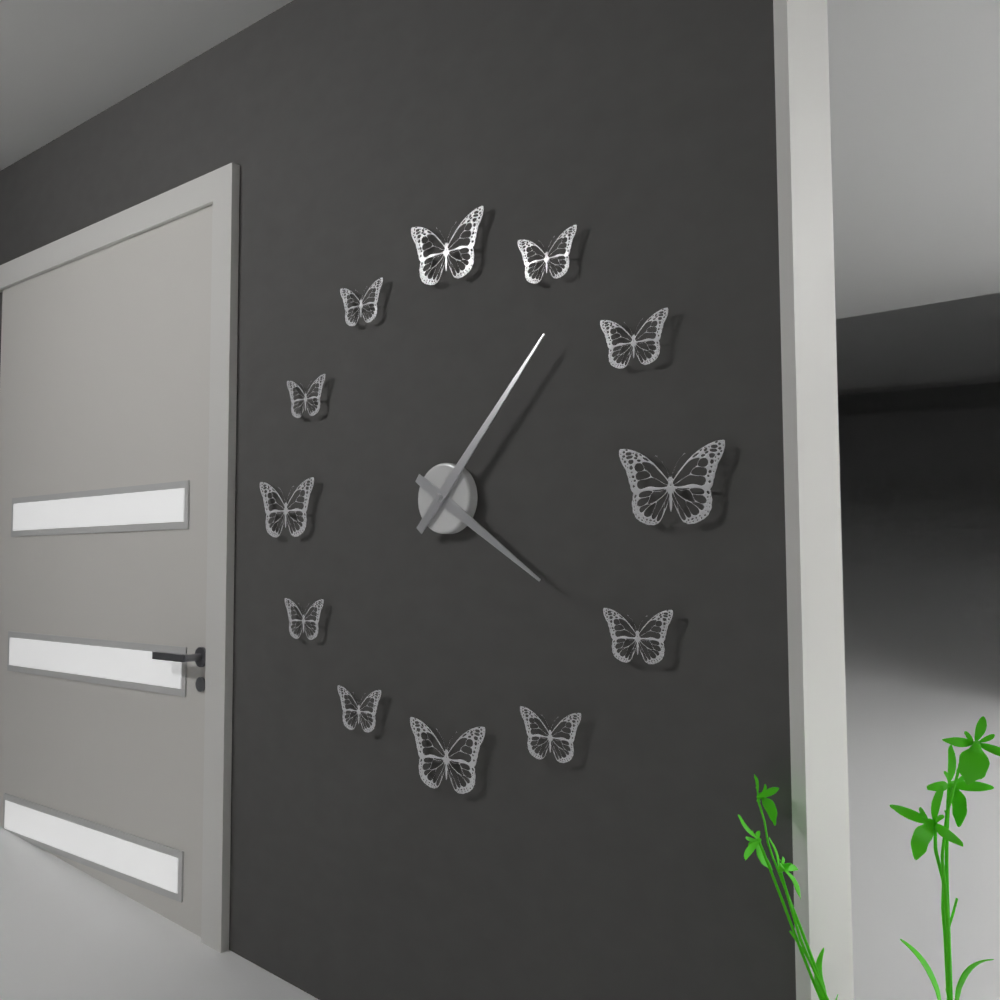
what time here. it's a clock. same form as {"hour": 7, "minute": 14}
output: {"hour": 4, "minute": 7}
